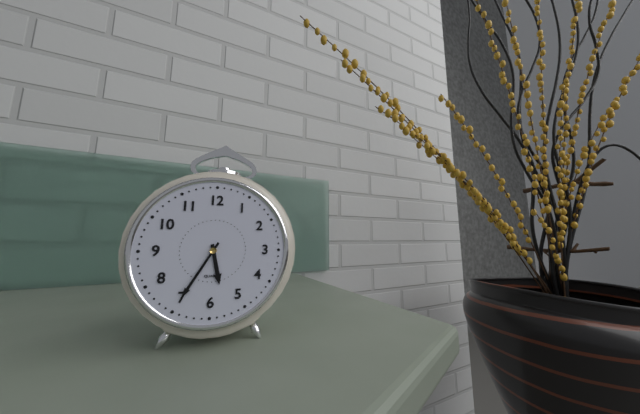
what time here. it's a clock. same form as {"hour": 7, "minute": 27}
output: {"hour": 5, "minute": 35}
